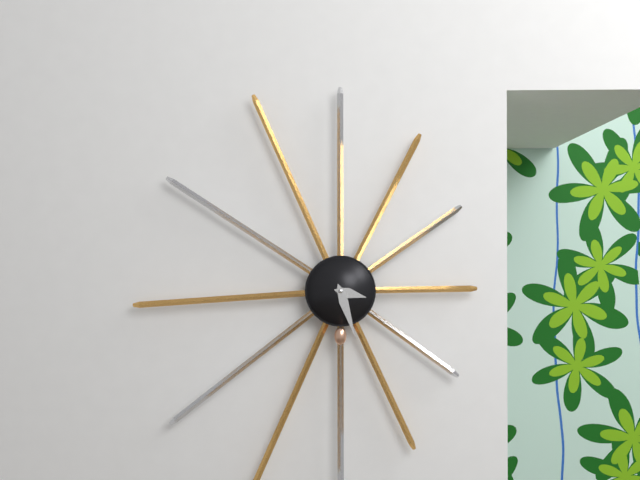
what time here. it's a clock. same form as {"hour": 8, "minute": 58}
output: {"hour": 3, "minute": 27}
